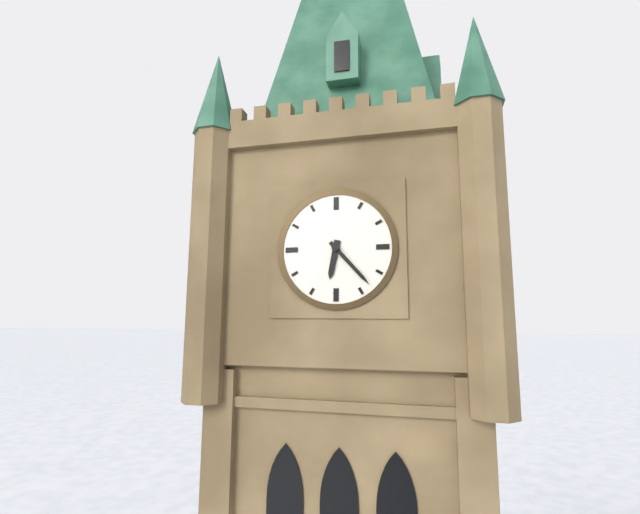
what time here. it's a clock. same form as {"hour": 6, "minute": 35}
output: {"hour": 6, "minute": 23}
